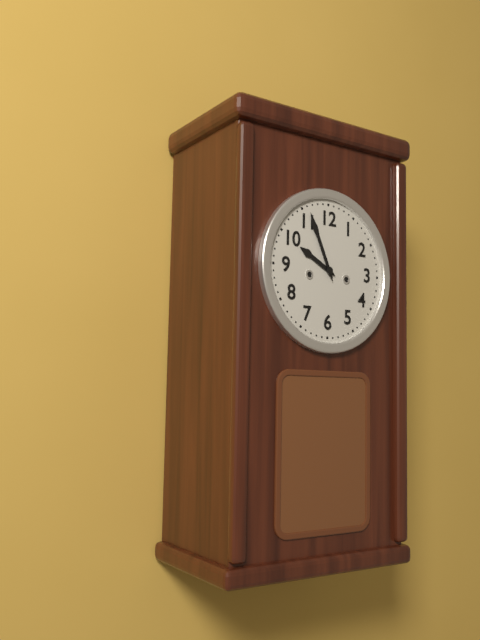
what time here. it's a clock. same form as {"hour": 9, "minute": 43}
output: {"hour": 9, "minute": 56}
